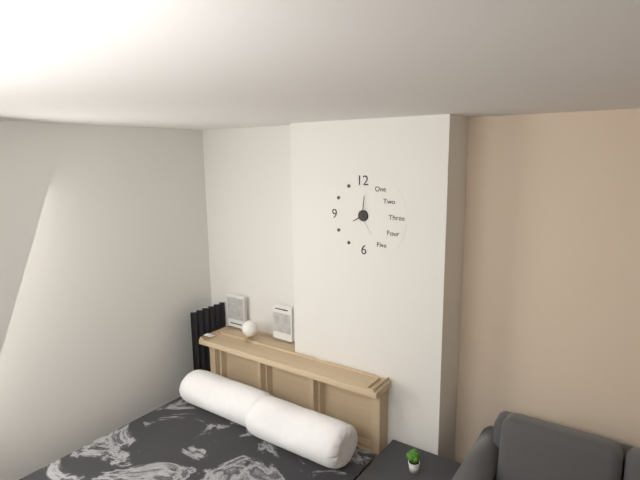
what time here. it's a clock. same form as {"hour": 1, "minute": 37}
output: {"hour": 8, "minute": 1}
